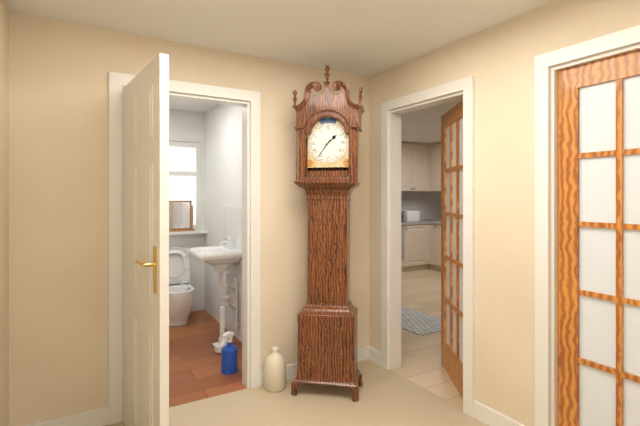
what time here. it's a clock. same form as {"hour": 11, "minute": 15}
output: {"hour": 1, "minute": 36}
